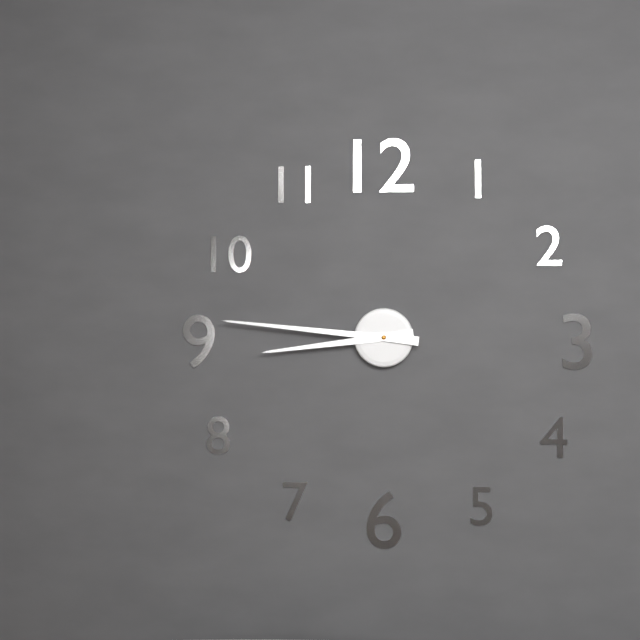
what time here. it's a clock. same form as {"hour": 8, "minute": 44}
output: {"hour": 8, "minute": 46}
